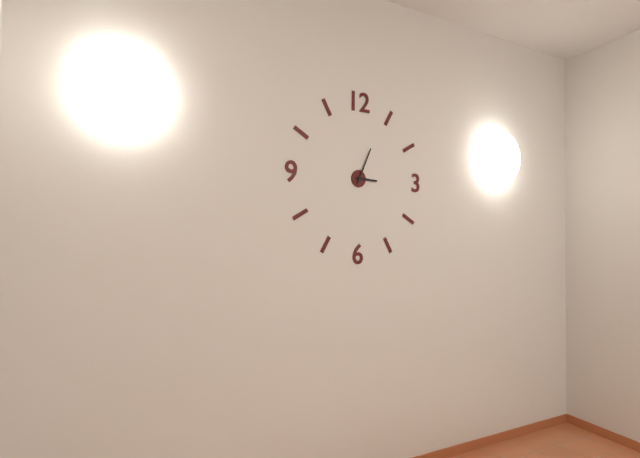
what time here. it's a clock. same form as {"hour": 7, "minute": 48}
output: {"hour": 3, "minute": 4}
